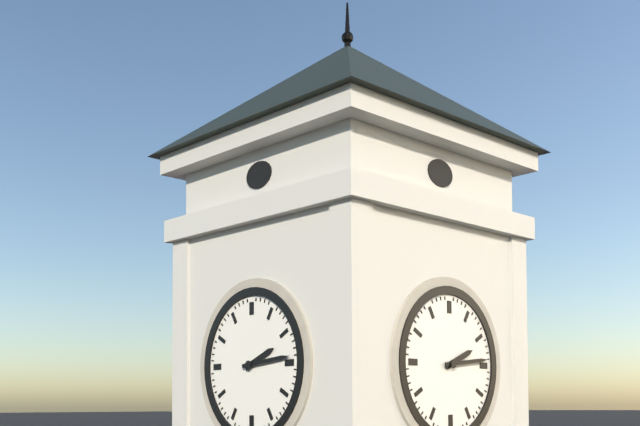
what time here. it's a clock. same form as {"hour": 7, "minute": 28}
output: {"hour": 2, "minute": 14}
